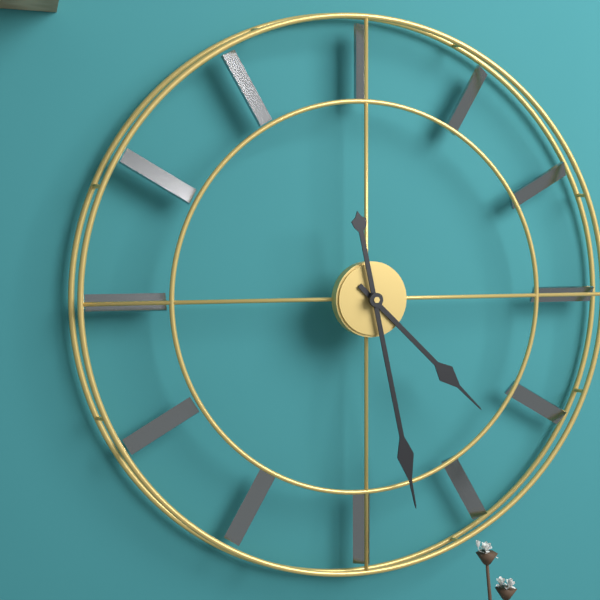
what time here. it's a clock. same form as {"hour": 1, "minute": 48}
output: {"hour": 4, "minute": 28}
